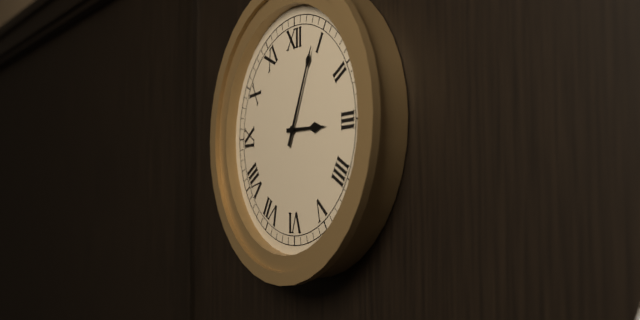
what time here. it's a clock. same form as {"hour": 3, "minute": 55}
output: {"hour": 3, "minute": 4}
